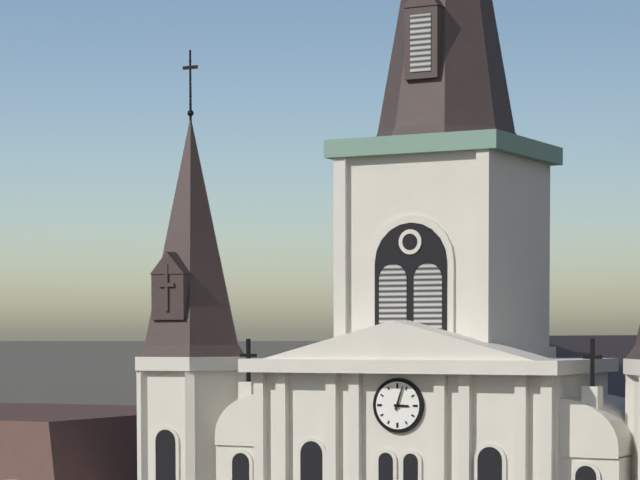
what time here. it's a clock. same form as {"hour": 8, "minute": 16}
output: {"hour": 3, "minute": 3}
